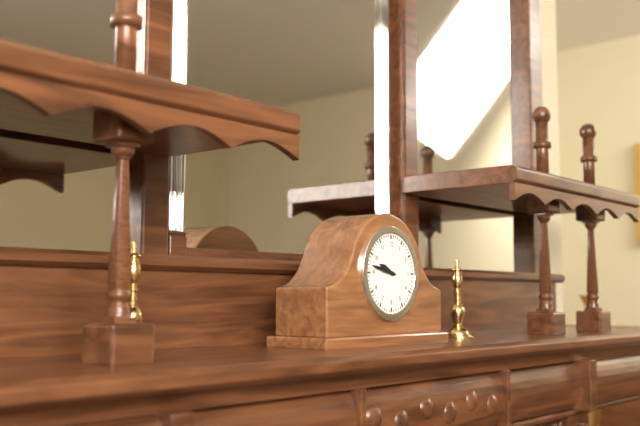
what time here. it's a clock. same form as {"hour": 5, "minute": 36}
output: {"hour": 9, "minute": 47}
